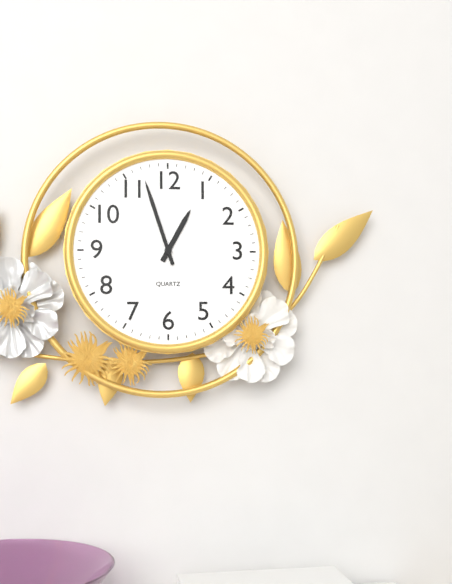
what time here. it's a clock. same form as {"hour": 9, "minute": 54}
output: {"hour": 12, "minute": 57}
